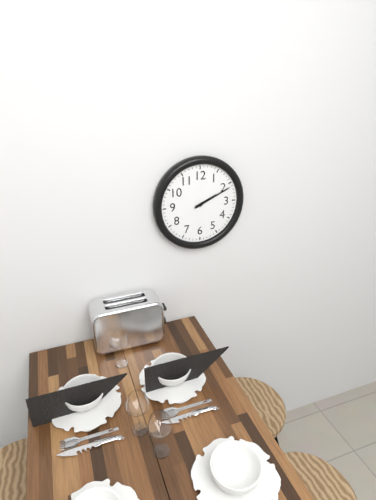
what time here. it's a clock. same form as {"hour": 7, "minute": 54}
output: {"hour": 2, "minute": 11}
